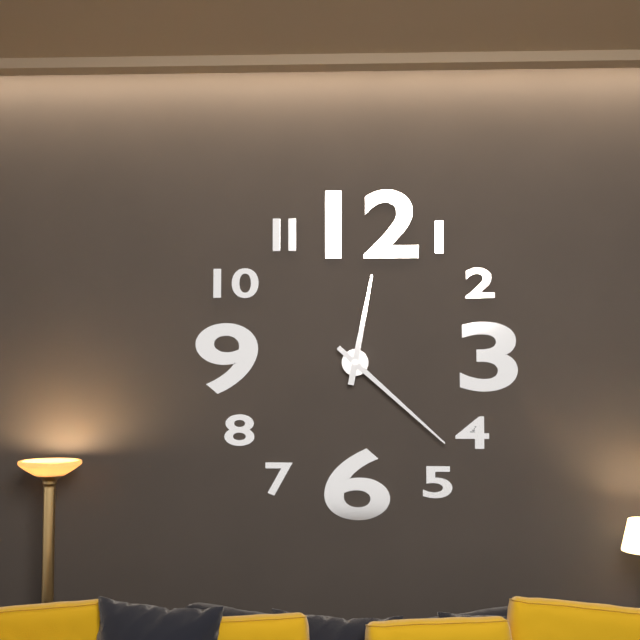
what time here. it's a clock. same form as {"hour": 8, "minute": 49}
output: {"hour": 12, "minute": 22}
